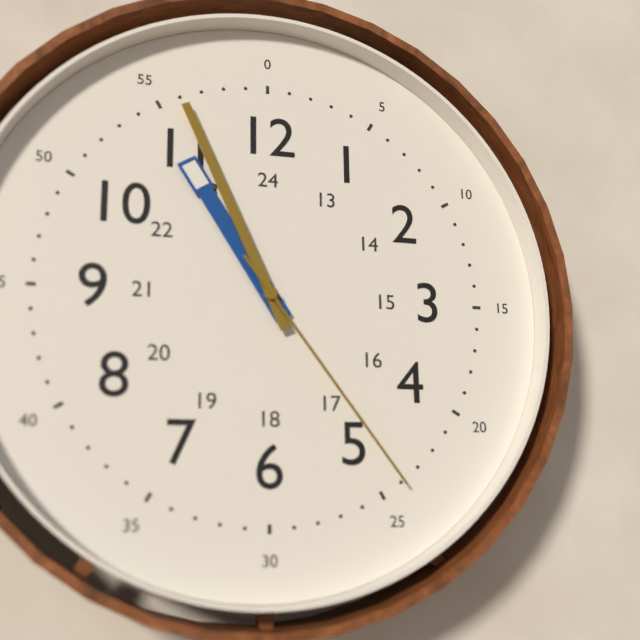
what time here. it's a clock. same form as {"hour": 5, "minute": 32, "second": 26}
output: {"hour": 10, "minute": 56, "second": 24}
